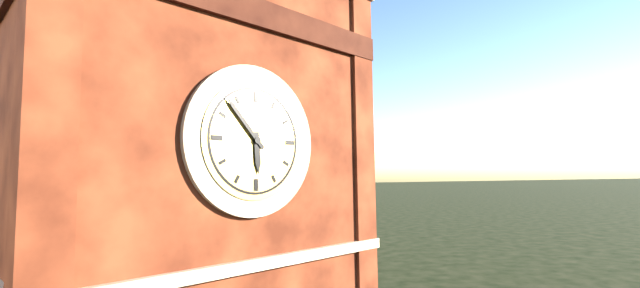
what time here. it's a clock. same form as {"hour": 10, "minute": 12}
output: {"hour": 5, "minute": 53}
